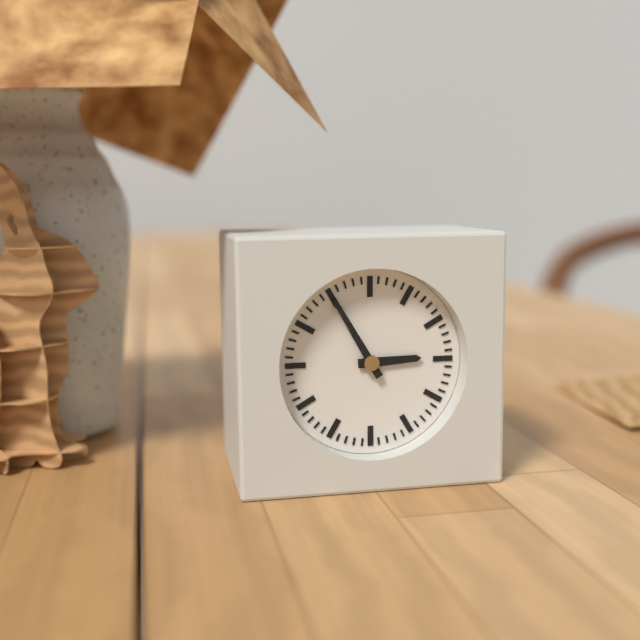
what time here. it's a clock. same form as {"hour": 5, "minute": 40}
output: {"hour": 2, "minute": 55}
